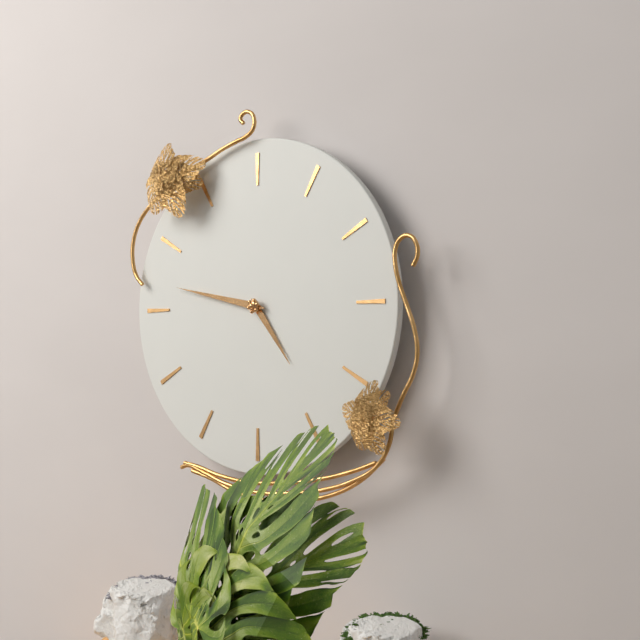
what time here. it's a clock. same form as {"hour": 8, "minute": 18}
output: {"hour": 4, "minute": 47}
